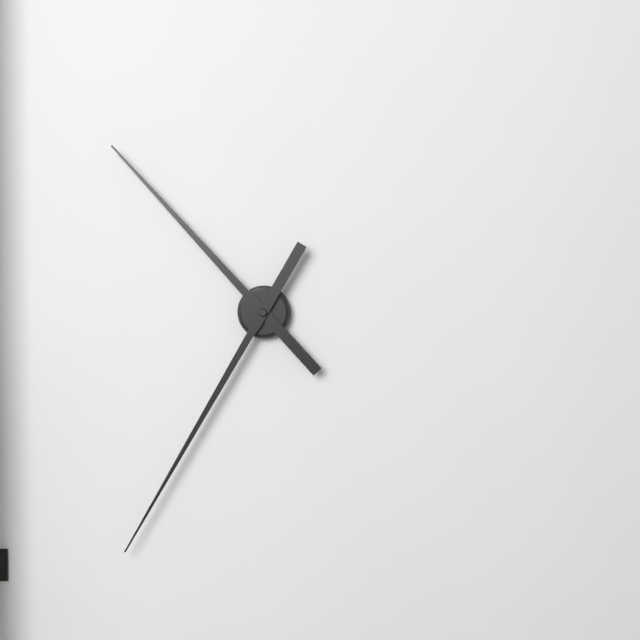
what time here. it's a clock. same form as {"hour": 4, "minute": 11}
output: {"hour": 10, "minute": 35}
